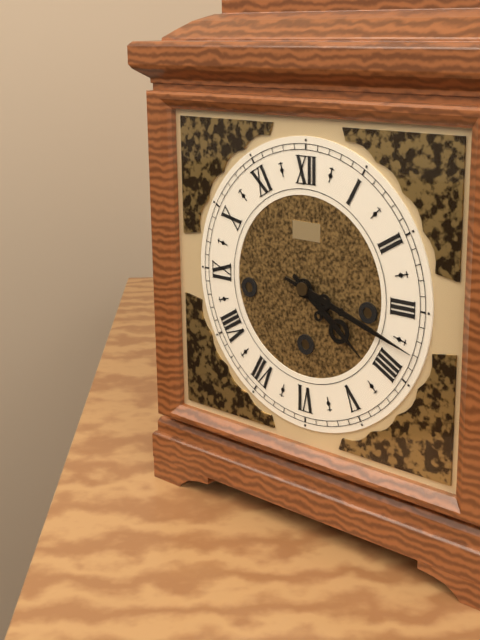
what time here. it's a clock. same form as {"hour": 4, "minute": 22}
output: {"hour": 4, "minute": 18}
